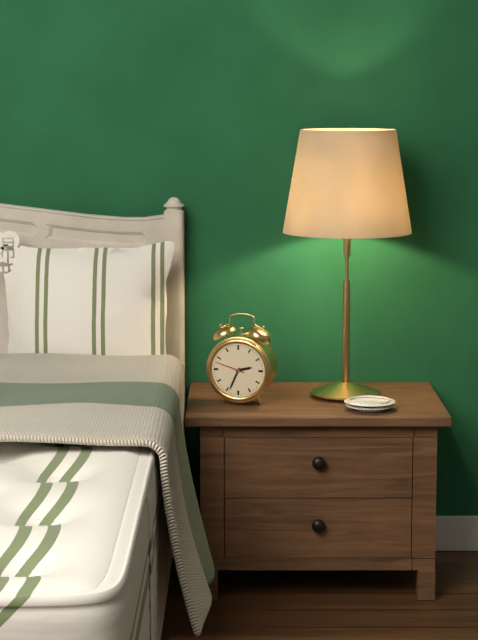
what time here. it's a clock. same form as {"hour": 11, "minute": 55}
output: {"hour": 2, "minute": 34}
